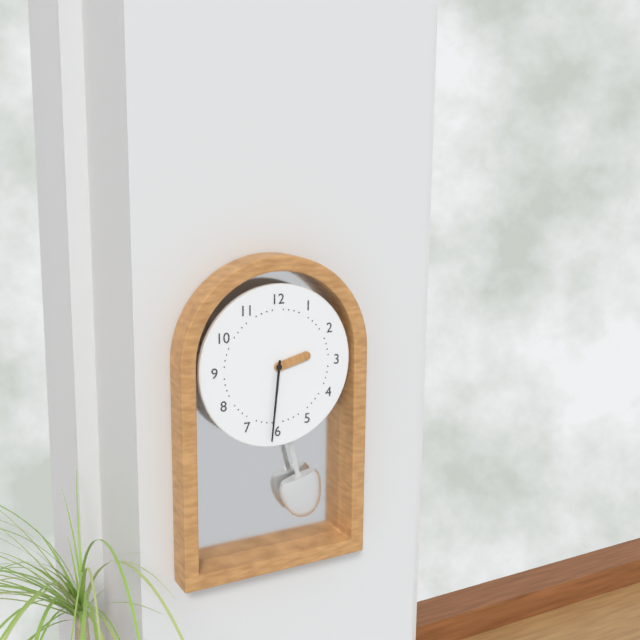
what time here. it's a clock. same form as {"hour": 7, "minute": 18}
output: {"hour": 2, "minute": 31}
